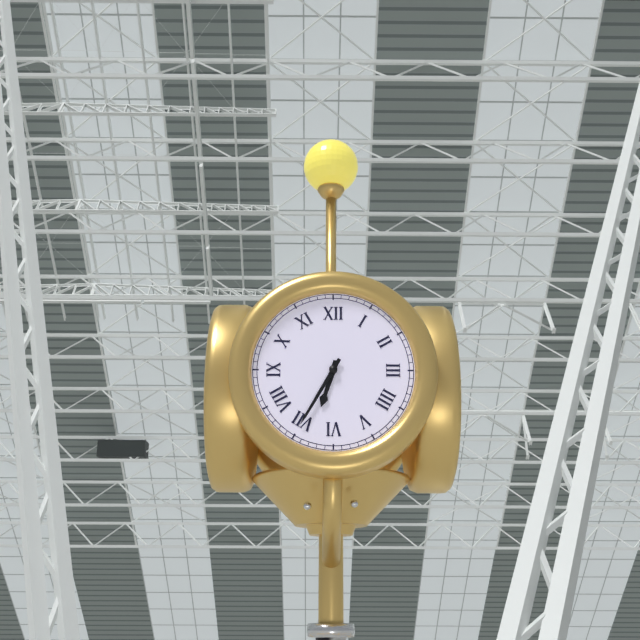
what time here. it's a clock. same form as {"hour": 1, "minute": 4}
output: {"hour": 6, "minute": 35}
